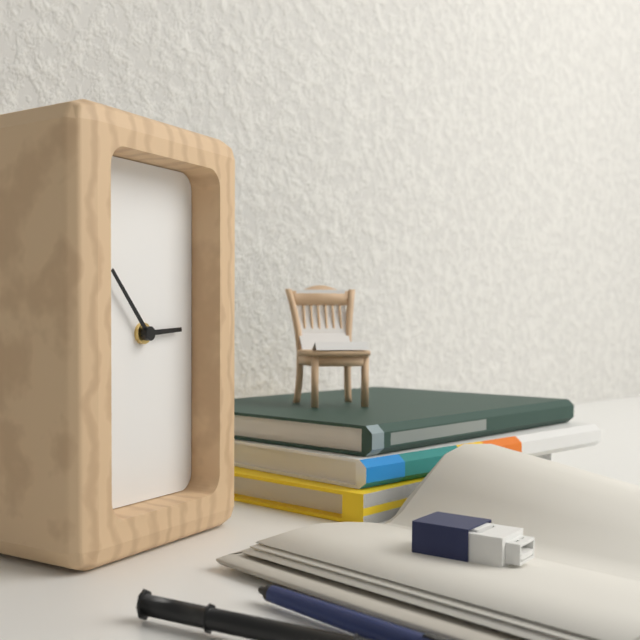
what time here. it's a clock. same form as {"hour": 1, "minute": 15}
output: {"hour": 2, "minute": 53}
